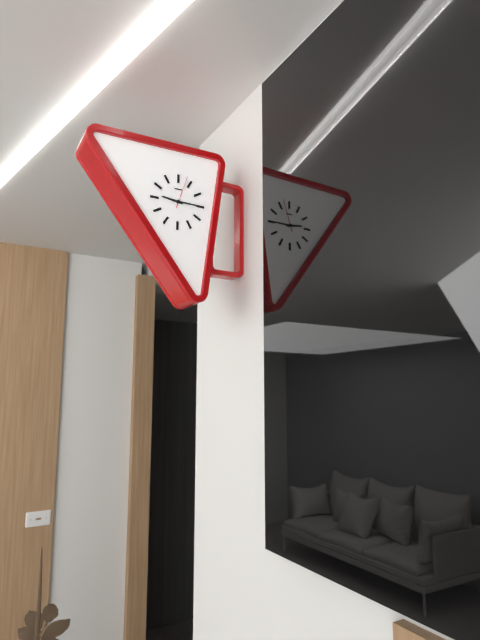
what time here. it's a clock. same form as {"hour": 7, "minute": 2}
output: {"hour": 9, "minute": 15}
